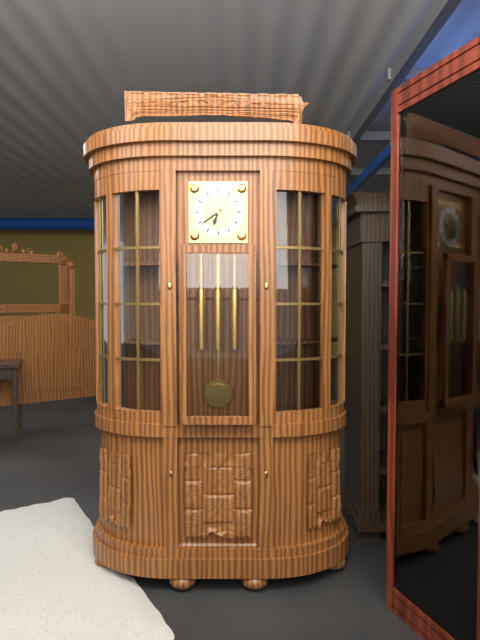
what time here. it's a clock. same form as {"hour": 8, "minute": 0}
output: {"hour": 6, "minute": 39}
